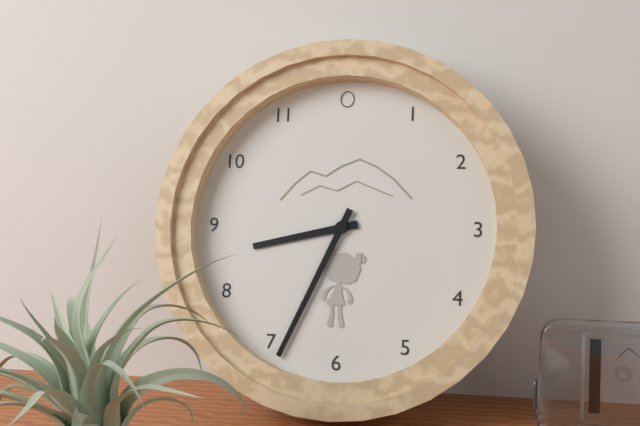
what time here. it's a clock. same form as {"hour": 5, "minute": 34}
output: {"hour": 8, "minute": 34}
